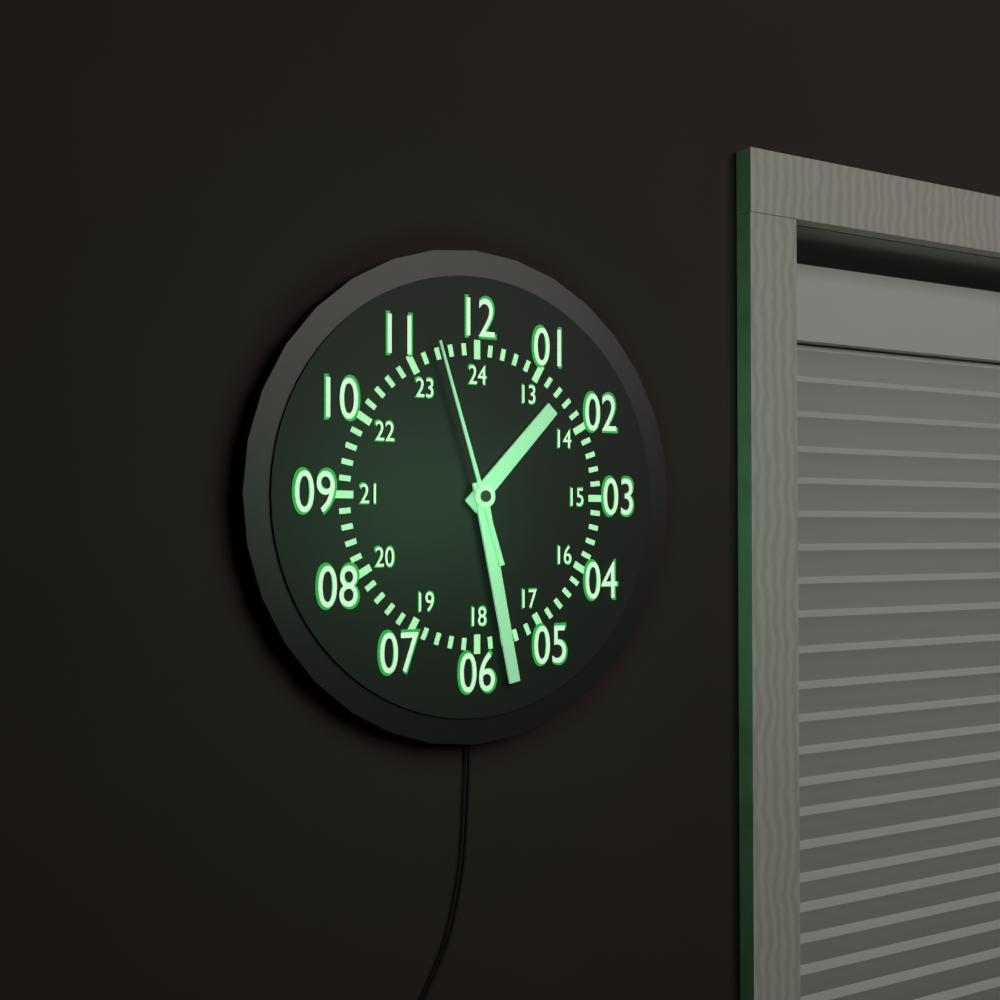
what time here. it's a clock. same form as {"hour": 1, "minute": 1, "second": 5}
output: {"hour": 1, "minute": 28, "second": 57}
